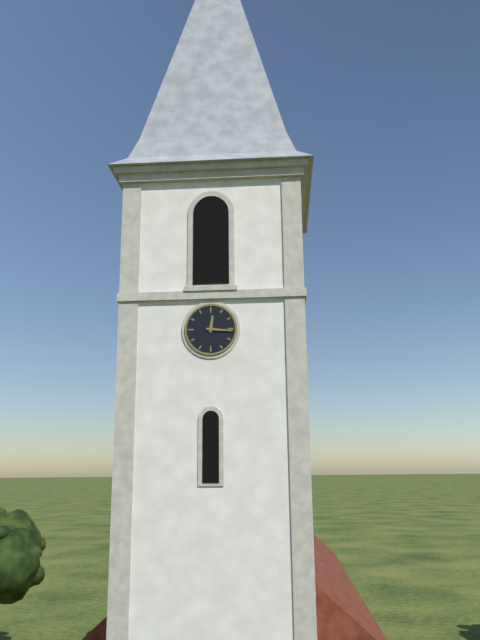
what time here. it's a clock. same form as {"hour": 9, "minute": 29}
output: {"hour": 12, "minute": 16}
